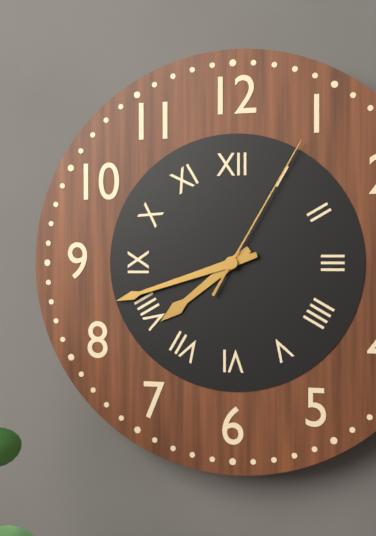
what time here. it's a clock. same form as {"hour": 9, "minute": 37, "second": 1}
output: {"hour": 7, "minute": 42, "second": 5}
